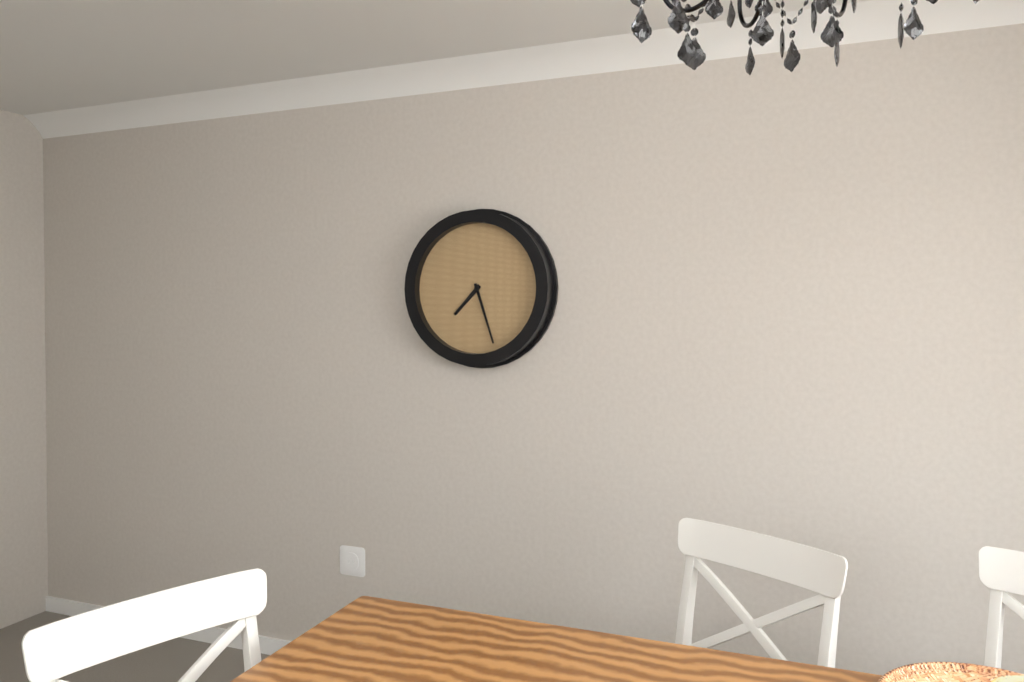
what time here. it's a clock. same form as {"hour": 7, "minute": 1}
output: {"hour": 7, "minute": 27}
